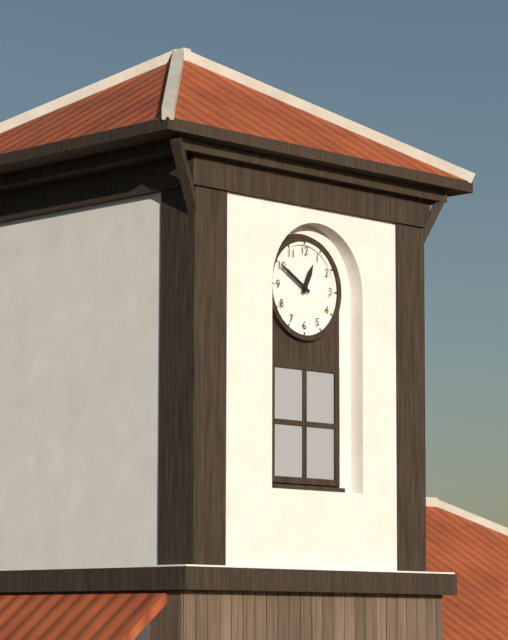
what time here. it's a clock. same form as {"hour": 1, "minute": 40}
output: {"hour": 12, "minute": 50}
